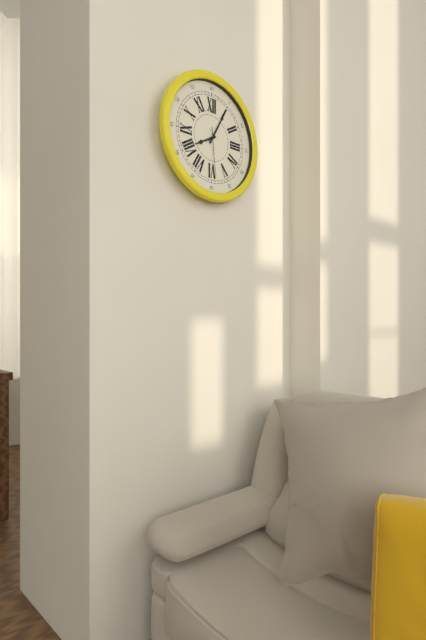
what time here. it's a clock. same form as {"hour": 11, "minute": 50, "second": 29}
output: {"hour": 8, "minute": 5, "second": 29}
